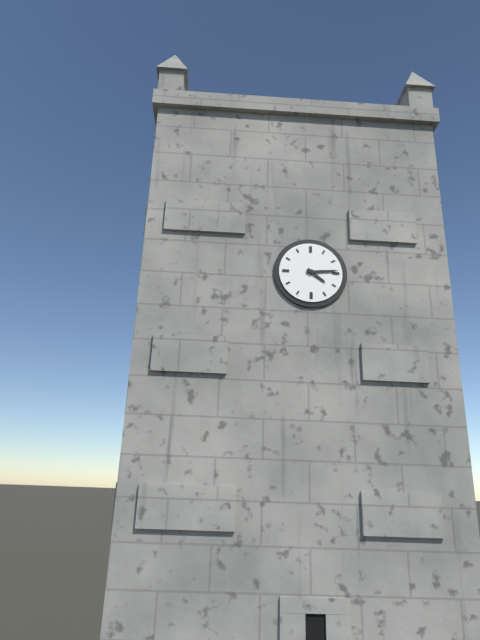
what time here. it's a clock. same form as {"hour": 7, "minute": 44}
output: {"hour": 4, "minute": 14}
